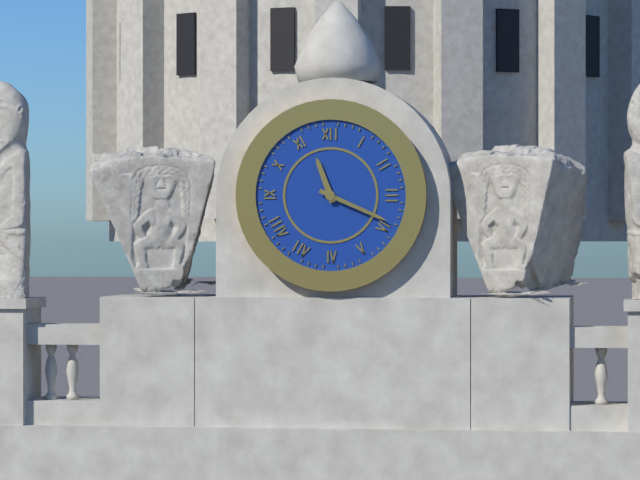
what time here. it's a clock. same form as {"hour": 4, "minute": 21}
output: {"hour": 11, "minute": 19}
